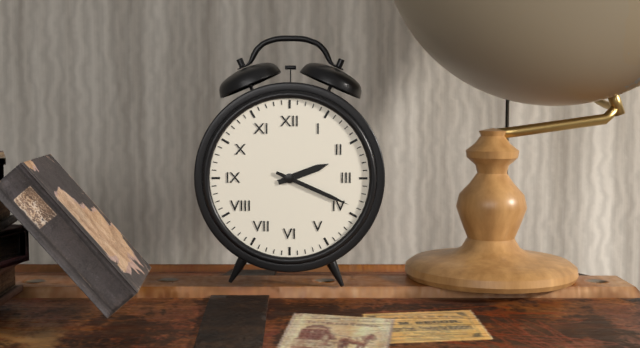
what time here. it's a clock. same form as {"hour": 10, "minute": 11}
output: {"hour": 2, "minute": 19}
